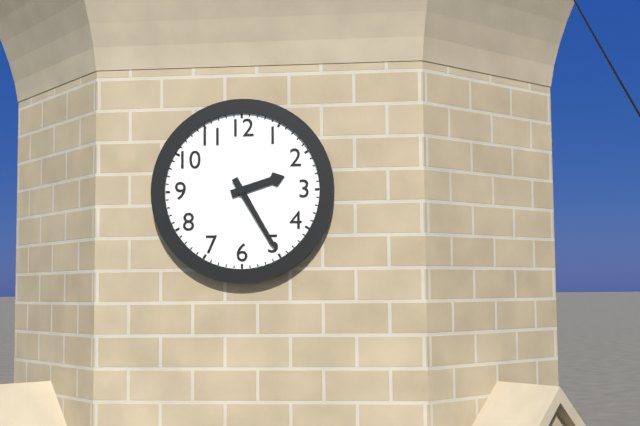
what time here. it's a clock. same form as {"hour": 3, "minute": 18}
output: {"hour": 2, "minute": 25}
